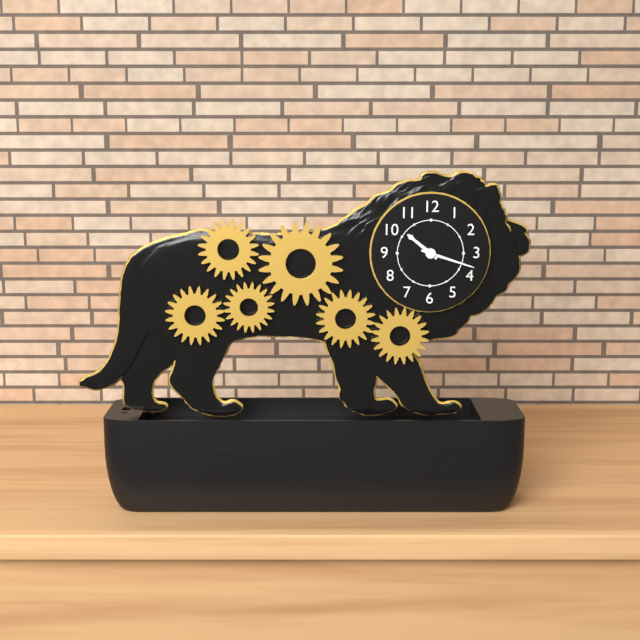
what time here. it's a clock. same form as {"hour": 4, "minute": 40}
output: {"hour": 10, "minute": 18}
